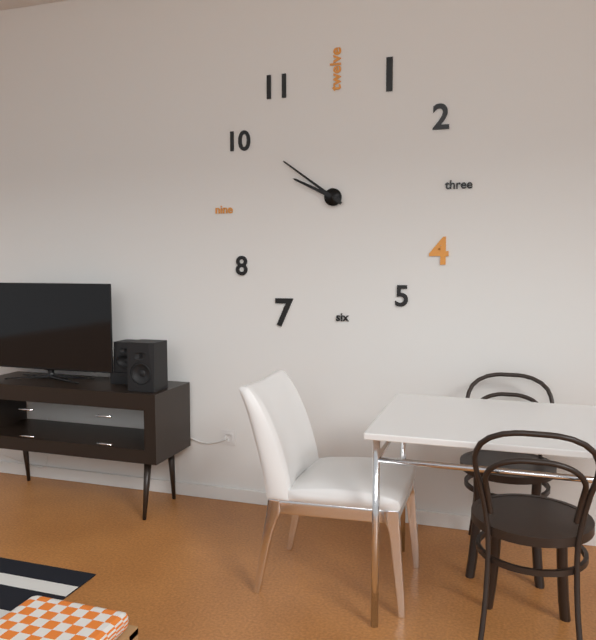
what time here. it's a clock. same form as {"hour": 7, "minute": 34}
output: {"hour": 9, "minute": 51}
